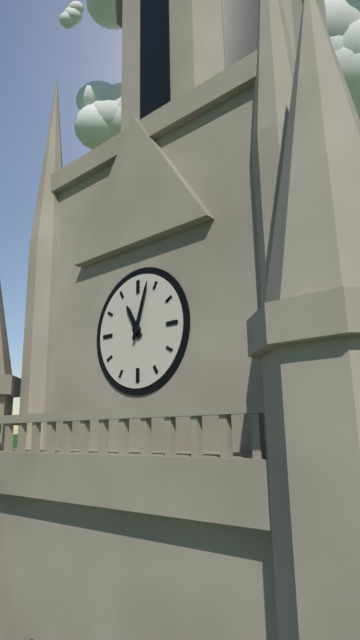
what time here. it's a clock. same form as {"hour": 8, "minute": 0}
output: {"hour": 11, "minute": 3}
